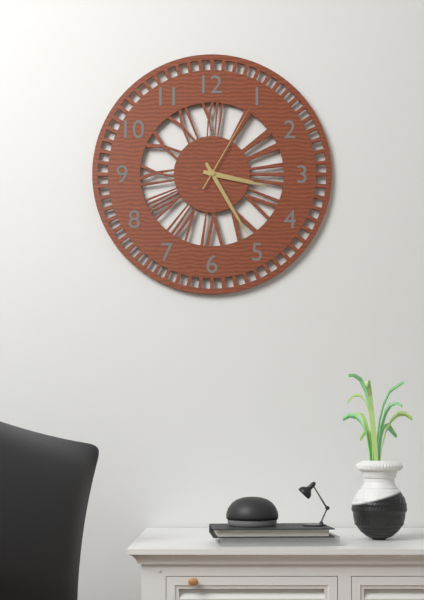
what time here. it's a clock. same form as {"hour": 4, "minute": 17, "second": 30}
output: {"hour": 3, "minute": 25, "second": 5}
